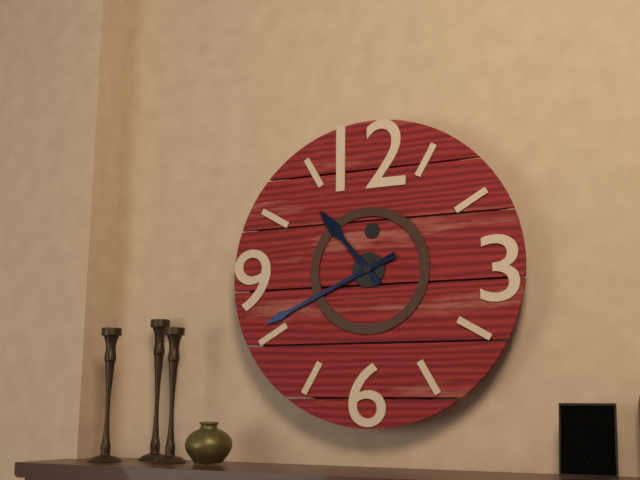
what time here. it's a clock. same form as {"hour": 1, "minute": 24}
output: {"hour": 10, "minute": 41}
